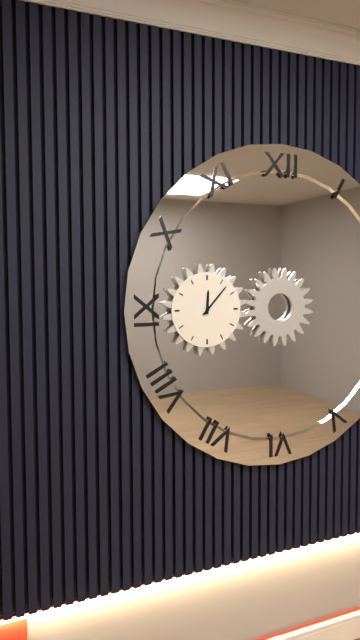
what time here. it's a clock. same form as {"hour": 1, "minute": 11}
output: {"hour": 12, "minute": 7}
